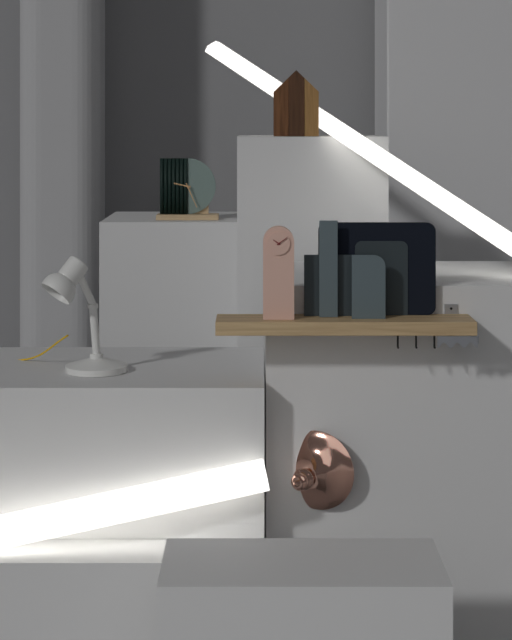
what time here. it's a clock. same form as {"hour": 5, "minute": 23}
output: {"hour": 9, "minute": 26}
